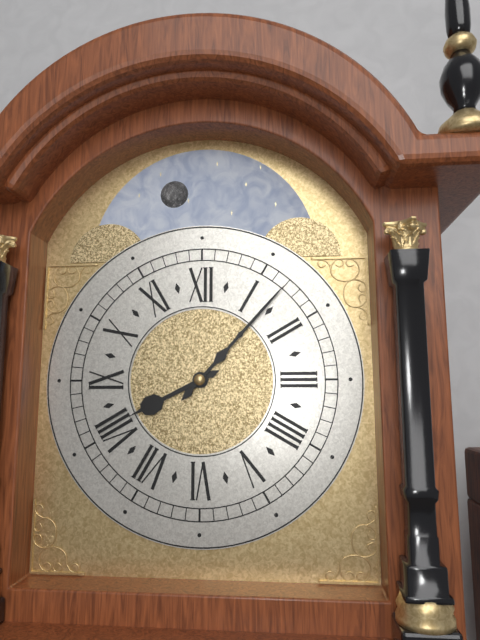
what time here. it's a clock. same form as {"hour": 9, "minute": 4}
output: {"hour": 8, "minute": 7}
